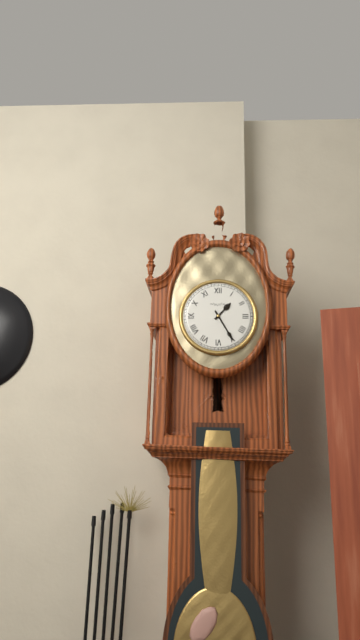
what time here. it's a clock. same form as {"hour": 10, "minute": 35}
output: {"hour": 1, "minute": 25}
